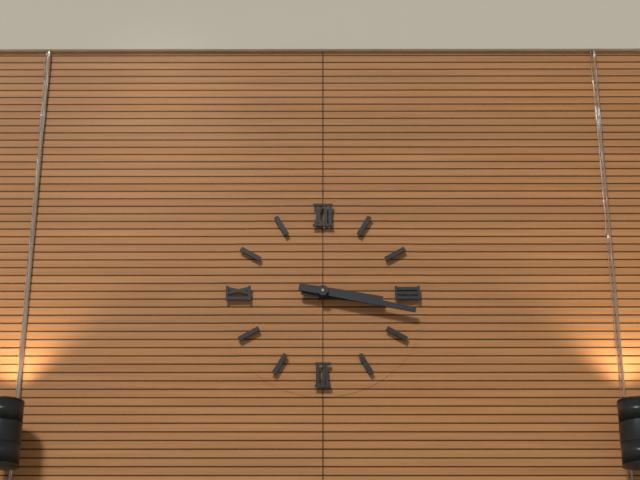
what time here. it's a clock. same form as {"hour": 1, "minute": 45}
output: {"hour": 3, "minute": 17}
